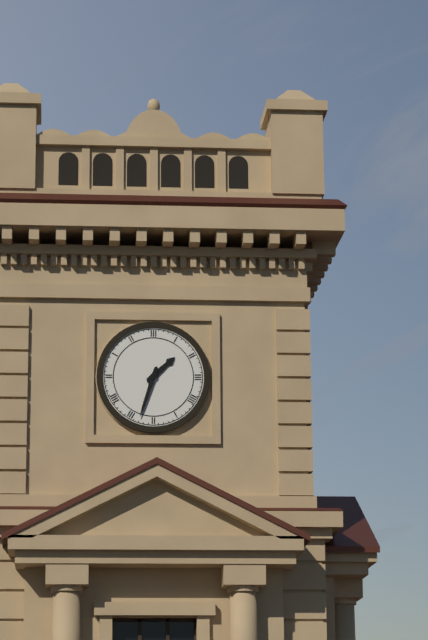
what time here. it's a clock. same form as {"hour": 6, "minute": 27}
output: {"hour": 1, "minute": 33}
